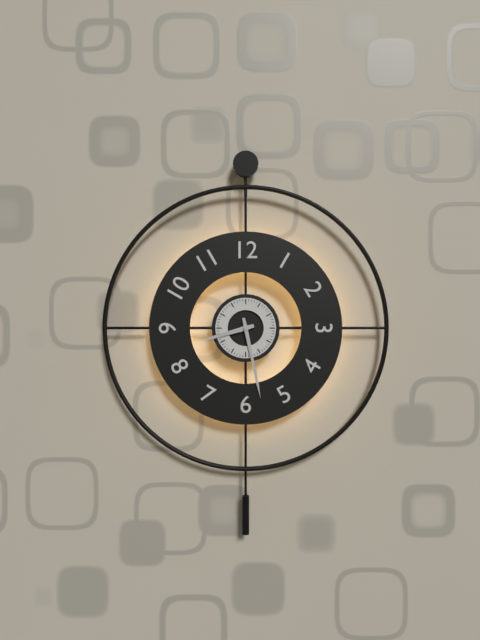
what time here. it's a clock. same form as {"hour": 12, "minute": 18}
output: {"hour": 8, "minute": 28}
